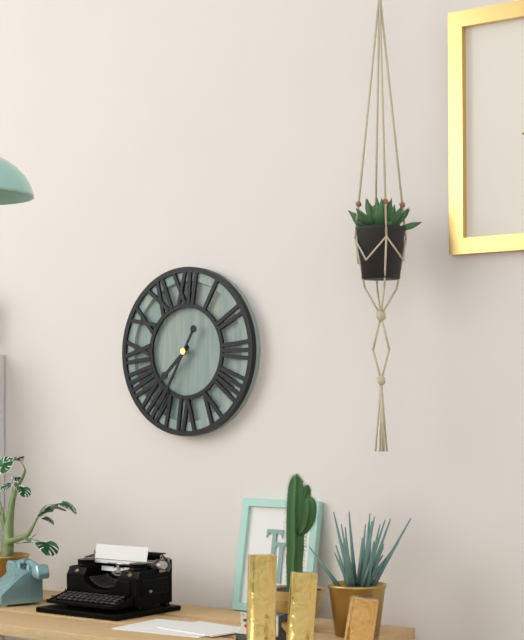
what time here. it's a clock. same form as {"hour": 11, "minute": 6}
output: {"hour": 7, "minute": 35}
